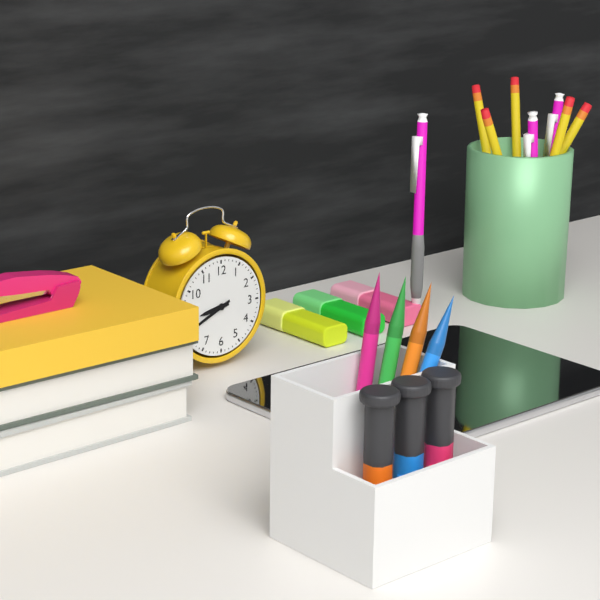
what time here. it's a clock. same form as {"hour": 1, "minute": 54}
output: {"hour": 8, "minute": 41}
